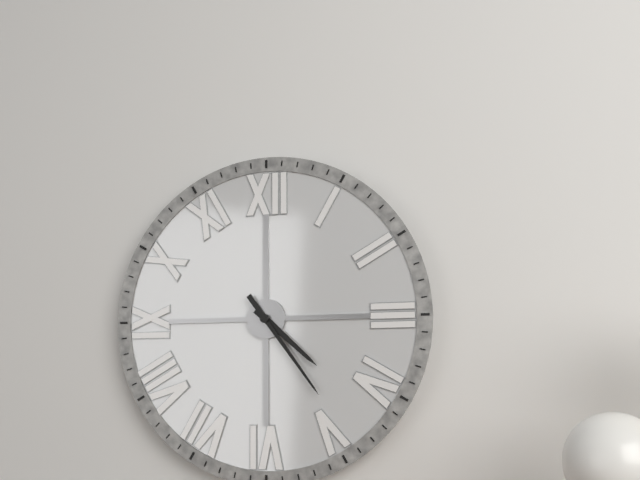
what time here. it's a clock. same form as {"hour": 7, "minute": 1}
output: {"hour": 4, "minute": 24}
